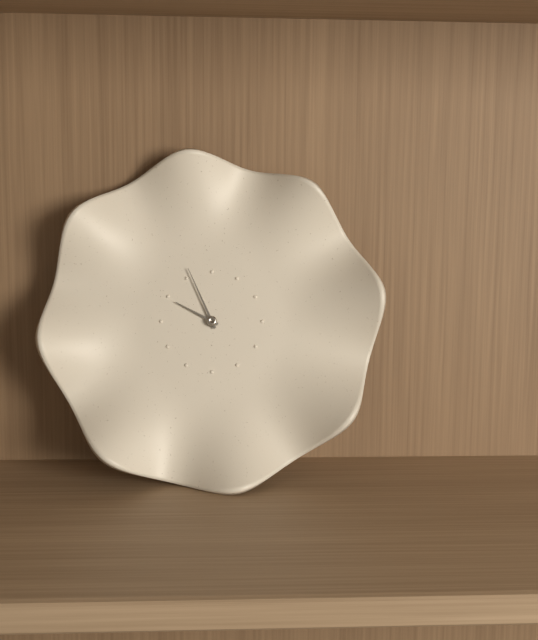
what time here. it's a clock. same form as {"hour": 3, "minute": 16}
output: {"hour": 9, "minute": 56}
